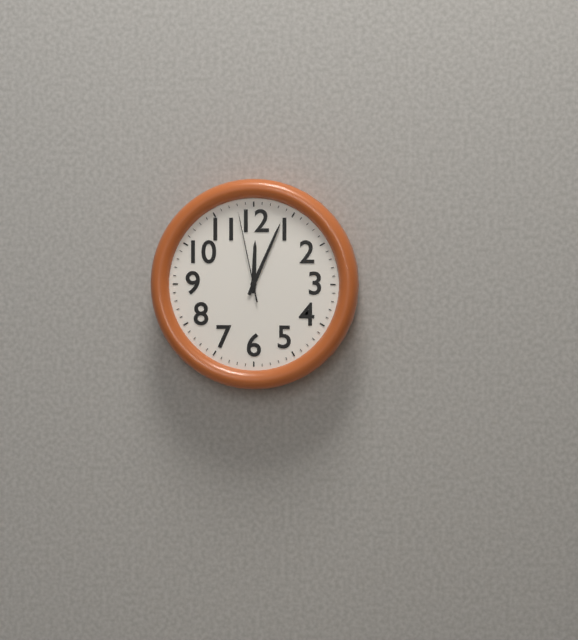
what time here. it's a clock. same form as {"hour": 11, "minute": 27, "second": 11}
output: {"hour": 12, "minute": 4, "second": 58}
